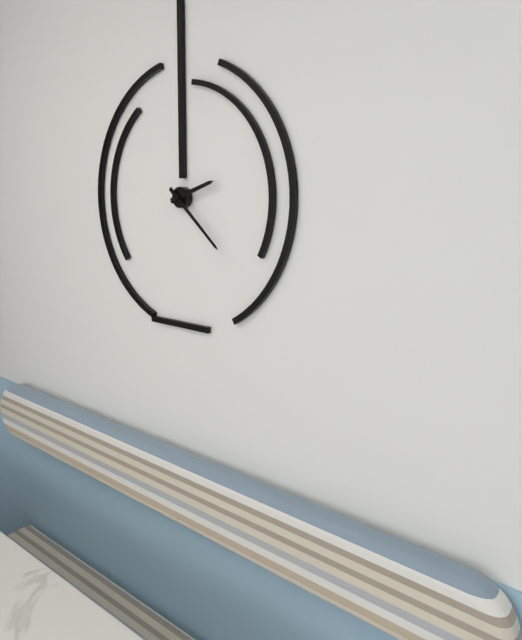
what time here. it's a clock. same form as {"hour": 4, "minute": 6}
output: {"hour": 2, "minute": 22}
